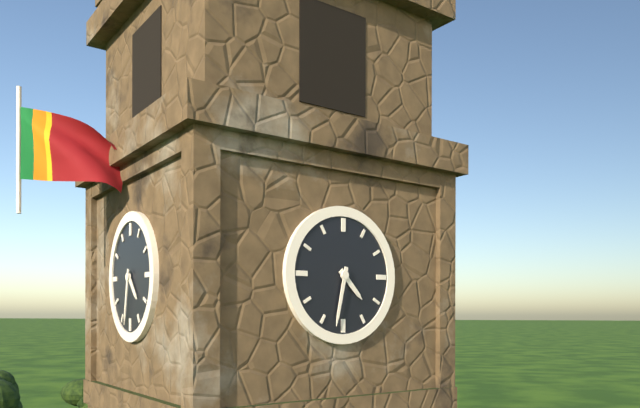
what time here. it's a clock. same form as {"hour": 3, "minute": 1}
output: {"hour": 4, "minute": 32}
